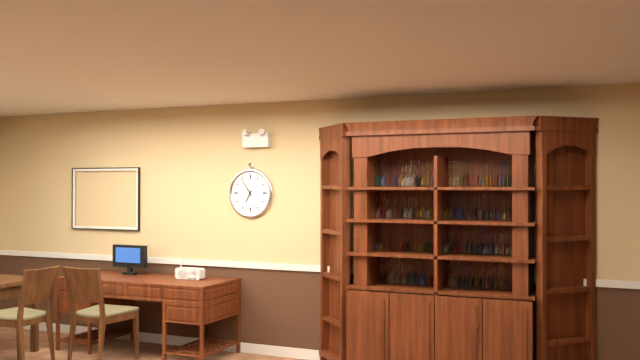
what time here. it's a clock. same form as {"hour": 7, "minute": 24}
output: {"hour": 6, "minute": 54}
